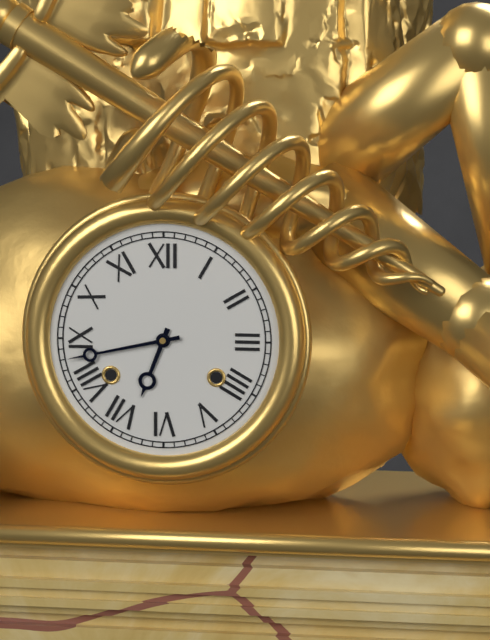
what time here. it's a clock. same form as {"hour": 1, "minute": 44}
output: {"hour": 6, "minute": 43}
